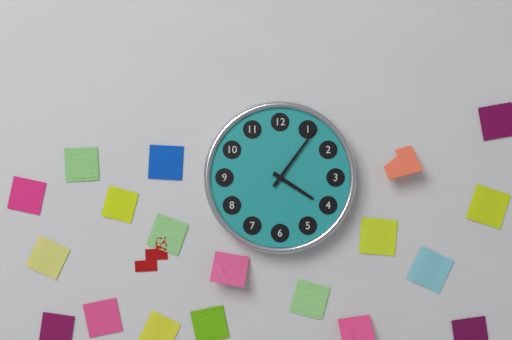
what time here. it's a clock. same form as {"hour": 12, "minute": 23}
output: {"hour": 4, "minute": 6}
